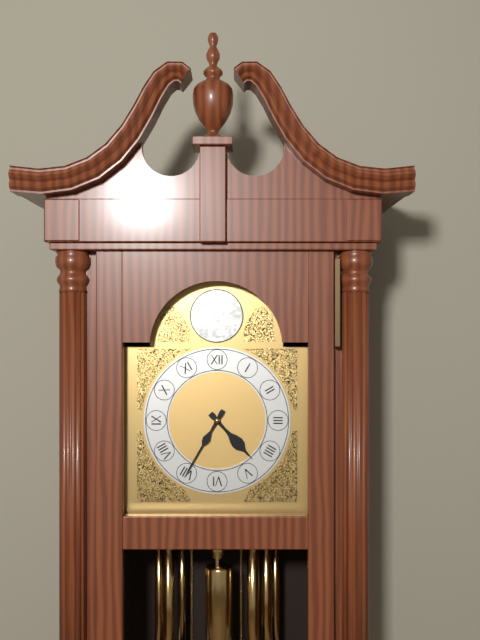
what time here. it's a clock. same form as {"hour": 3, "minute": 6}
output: {"hour": 4, "minute": 35}
